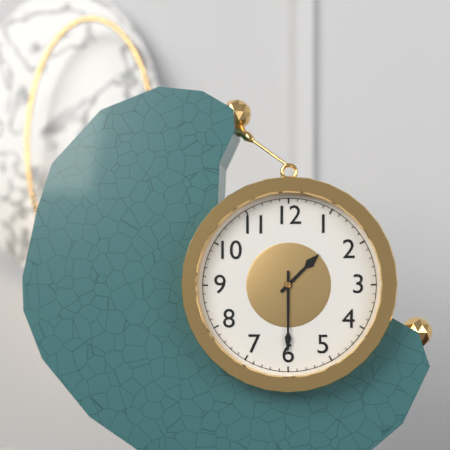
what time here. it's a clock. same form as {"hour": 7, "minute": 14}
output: {"hour": 1, "minute": 30}
